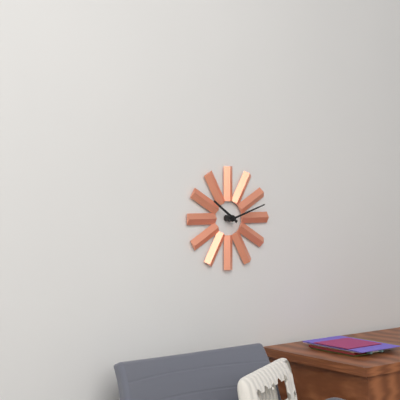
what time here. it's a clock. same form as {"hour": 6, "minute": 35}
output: {"hour": 10, "minute": 12}
